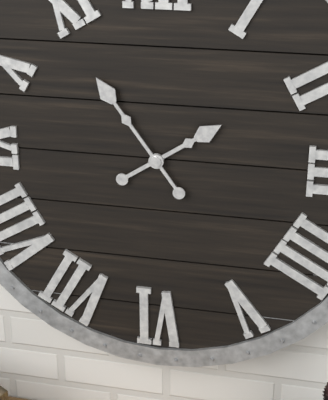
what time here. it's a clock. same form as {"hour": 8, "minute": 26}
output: {"hour": 1, "minute": 54}
